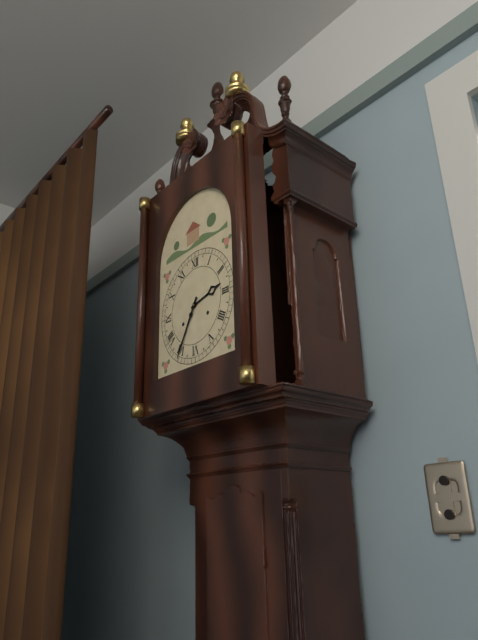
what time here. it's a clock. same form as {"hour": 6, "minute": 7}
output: {"hour": 2, "minute": 35}
